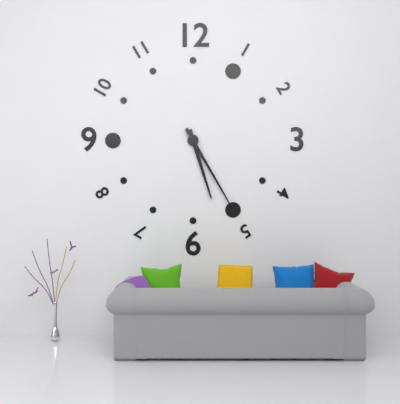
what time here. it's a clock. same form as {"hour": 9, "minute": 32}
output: {"hour": 5, "minute": 25}
